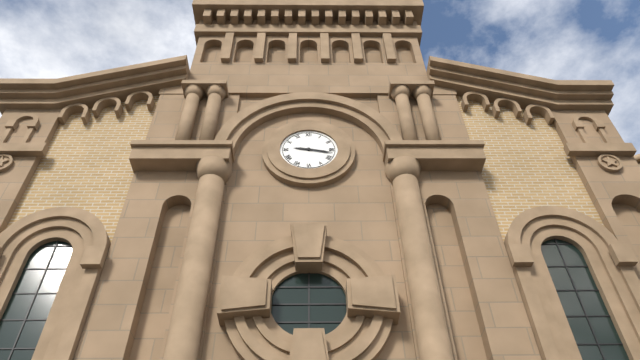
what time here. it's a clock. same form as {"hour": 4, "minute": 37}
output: {"hour": 9, "minute": 17}
